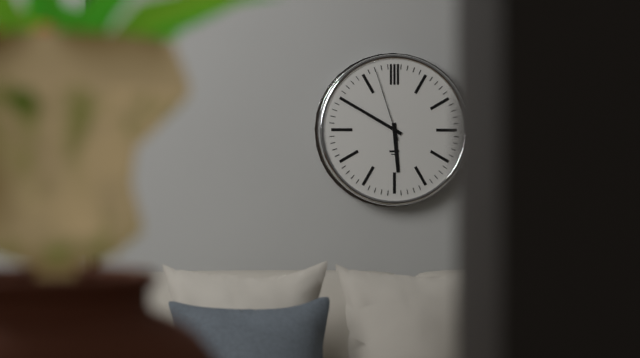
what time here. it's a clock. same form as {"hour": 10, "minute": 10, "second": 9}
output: {"hour": 5, "minute": 50, "second": 57}
